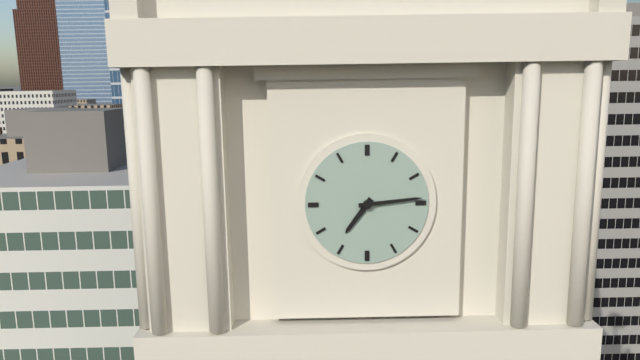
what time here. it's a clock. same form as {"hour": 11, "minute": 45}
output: {"hour": 7, "minute": 14}
